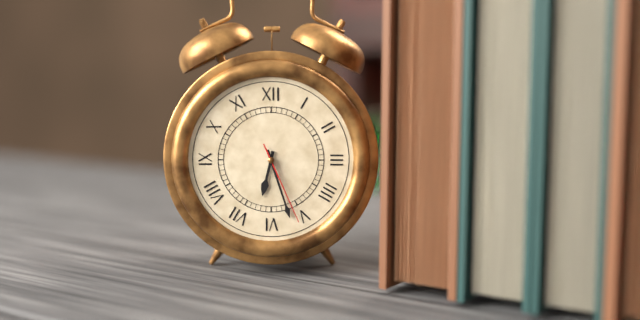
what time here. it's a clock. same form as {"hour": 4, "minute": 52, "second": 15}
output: {"hour": 6, "minute": 27, "second": 26}
